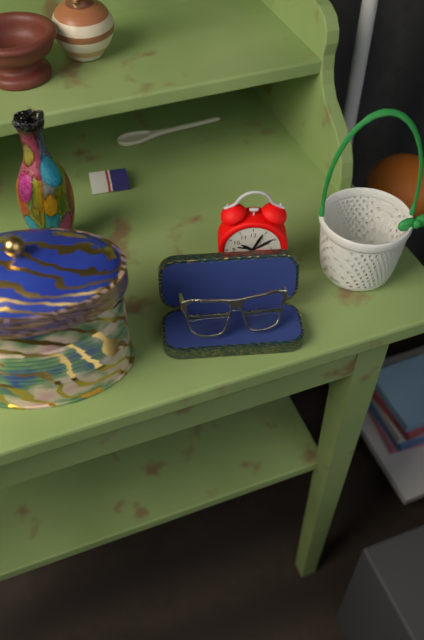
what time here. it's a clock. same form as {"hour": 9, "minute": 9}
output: {"hour": 10, "minute": 4}
